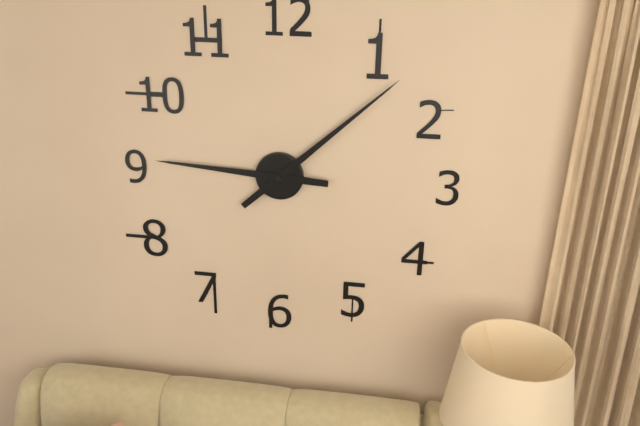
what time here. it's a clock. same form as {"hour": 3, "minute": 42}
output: {"hour": 9, "minute": 8}
